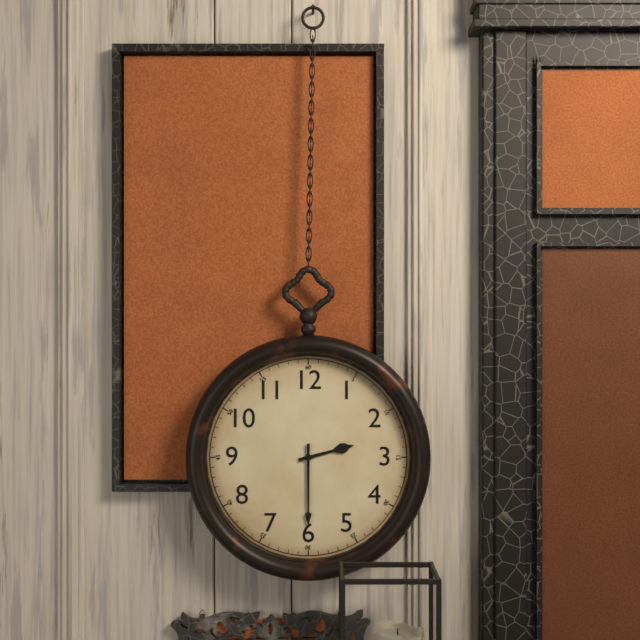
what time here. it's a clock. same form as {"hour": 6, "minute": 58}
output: {"hour": 2, "minute": 30}
